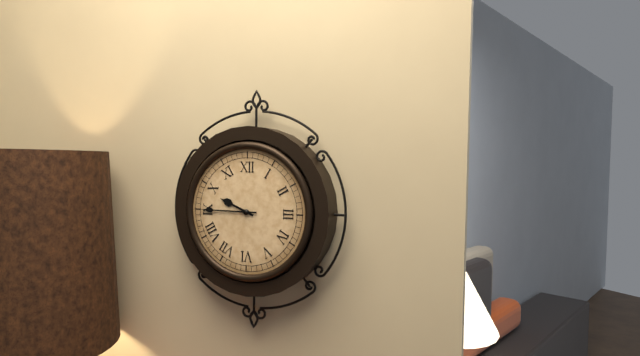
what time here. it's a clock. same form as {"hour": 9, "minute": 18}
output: {"hour": 9, "minute": 45}
